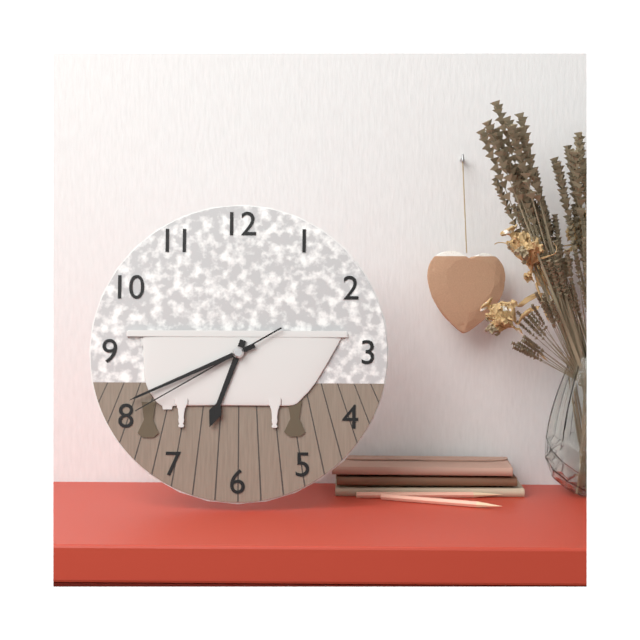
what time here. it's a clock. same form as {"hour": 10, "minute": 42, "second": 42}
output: {"hour": 6, "minute": 41, "second": 40}
